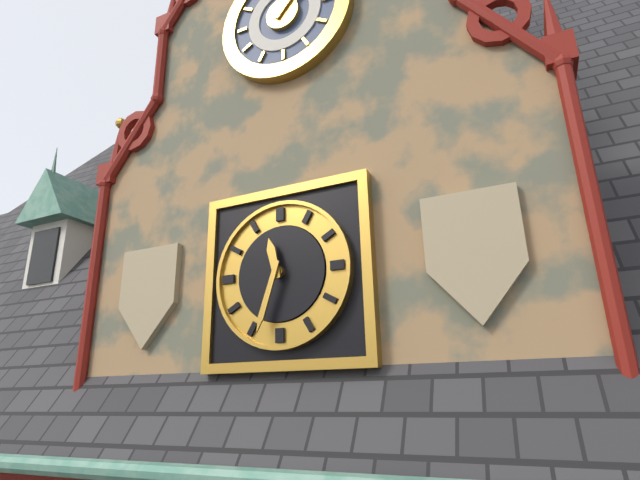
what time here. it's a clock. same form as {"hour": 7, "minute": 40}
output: {"hour": 11, "minute": 33}
